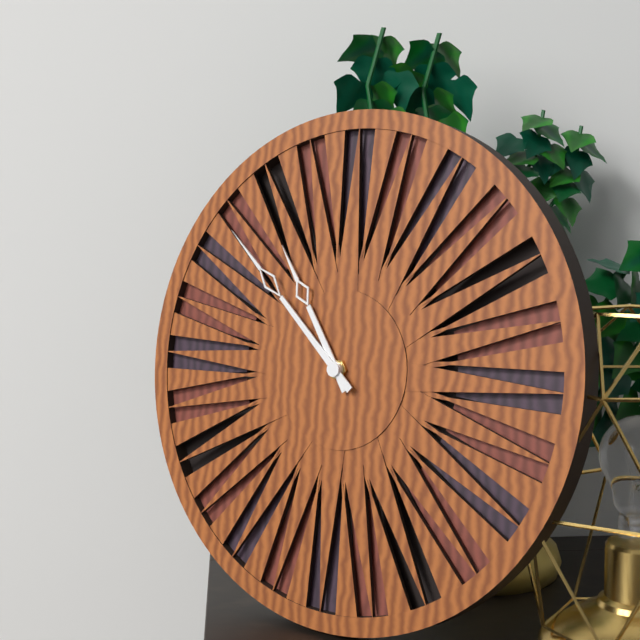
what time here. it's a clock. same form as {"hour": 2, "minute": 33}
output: {"hour": 10, "minute": 52}
